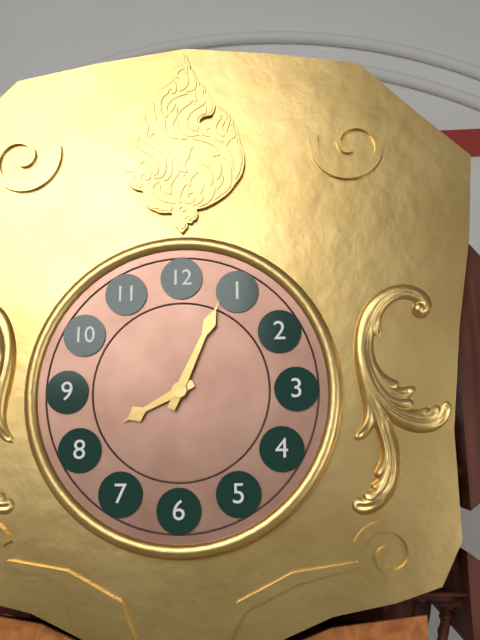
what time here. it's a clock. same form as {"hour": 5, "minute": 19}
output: {"hour": 8, "minute": 4}
